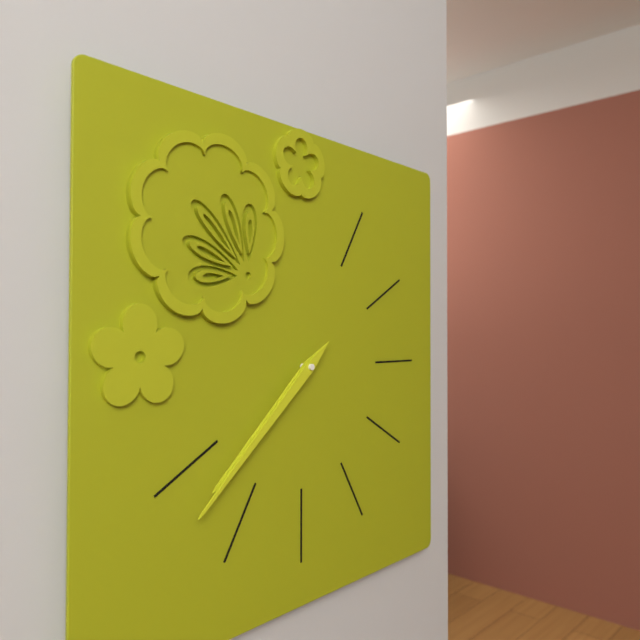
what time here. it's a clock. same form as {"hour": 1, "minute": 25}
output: {"hour": 7, "minute": 38}
